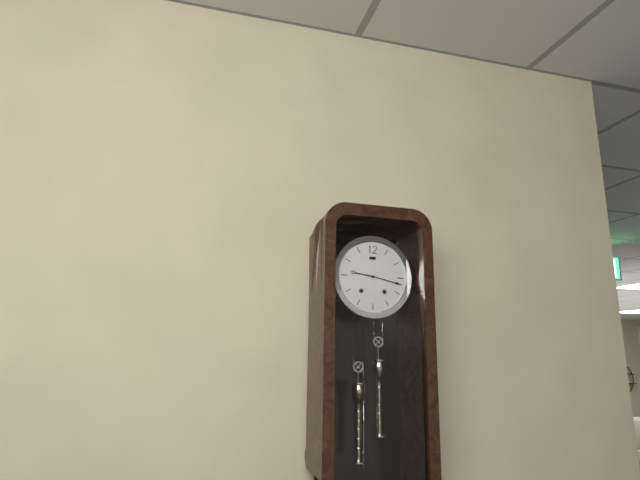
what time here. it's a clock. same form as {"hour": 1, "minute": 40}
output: {"hour": 9, "minute": 17}
